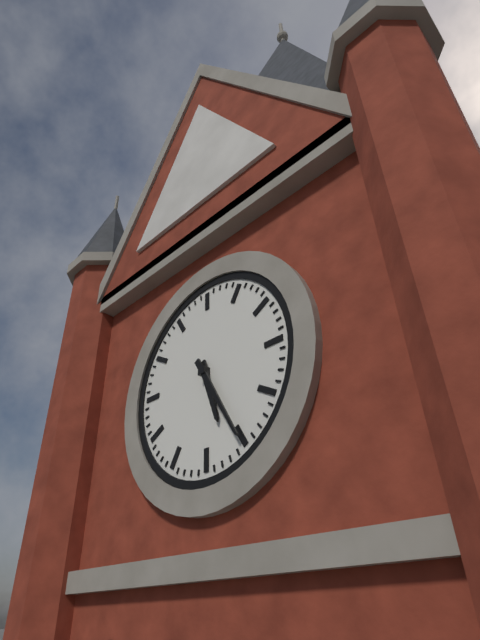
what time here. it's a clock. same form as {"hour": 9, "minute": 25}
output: {"hour": 5, "minute": 25}
